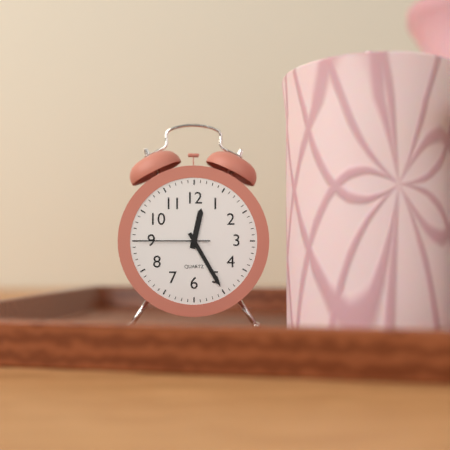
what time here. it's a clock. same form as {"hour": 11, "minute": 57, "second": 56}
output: {"hour": 12, "minute": 25, "second": 45}
